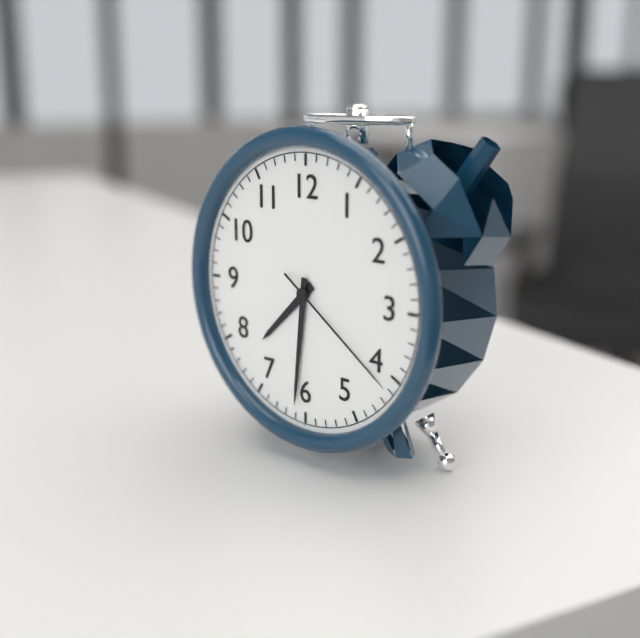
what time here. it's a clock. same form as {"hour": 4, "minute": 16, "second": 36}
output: {"hour": 7, "minute": 31, "second": 21}
